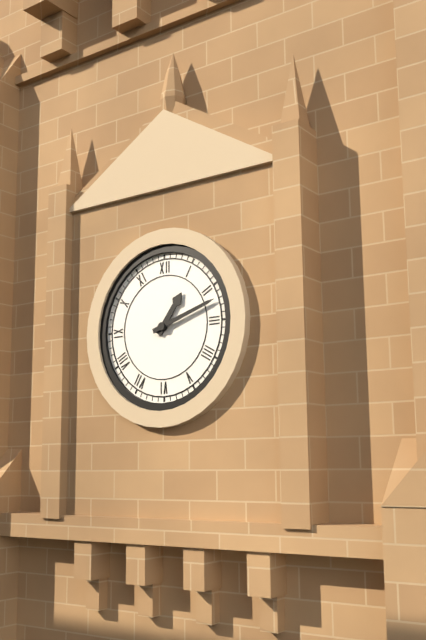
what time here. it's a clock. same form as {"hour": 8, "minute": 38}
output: {"hour": 1, "minute": 12}
